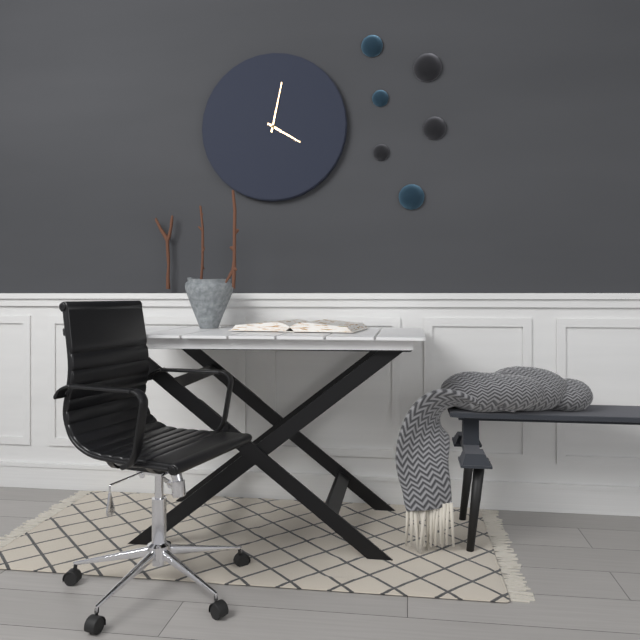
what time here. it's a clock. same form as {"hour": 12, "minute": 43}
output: {"hour": 4, "minute": 2}
